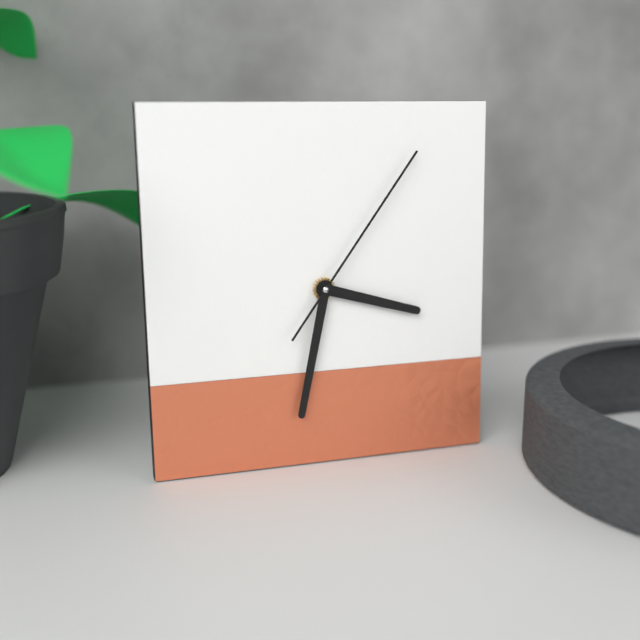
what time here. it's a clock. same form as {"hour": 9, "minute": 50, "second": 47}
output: {"hour": 3, "minute": 32, "second": 6}
